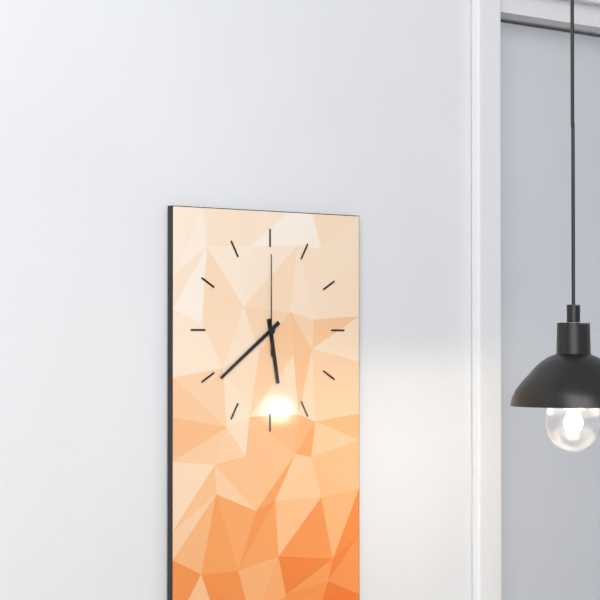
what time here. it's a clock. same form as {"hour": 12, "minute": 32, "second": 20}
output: {"hour": 5, "minute": 39, "second": 0}
